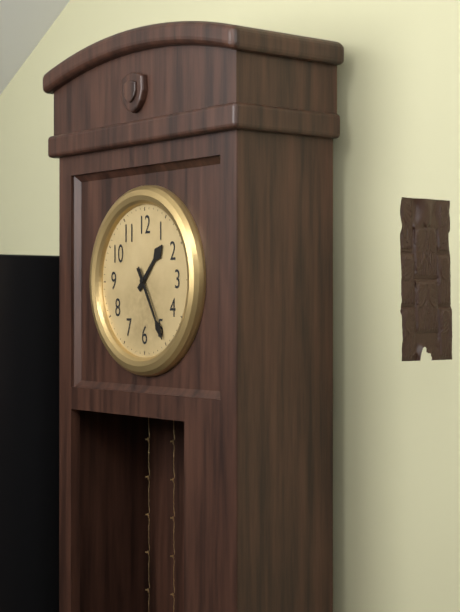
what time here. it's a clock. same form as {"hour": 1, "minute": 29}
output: {"hour": 1, "minute": 25}
